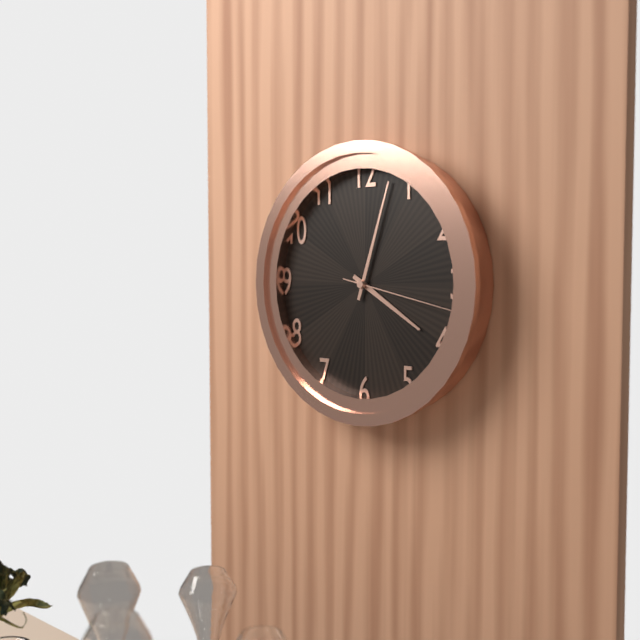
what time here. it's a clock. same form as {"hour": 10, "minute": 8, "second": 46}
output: {"hour": 4, "minute": 3, "second": 17}
